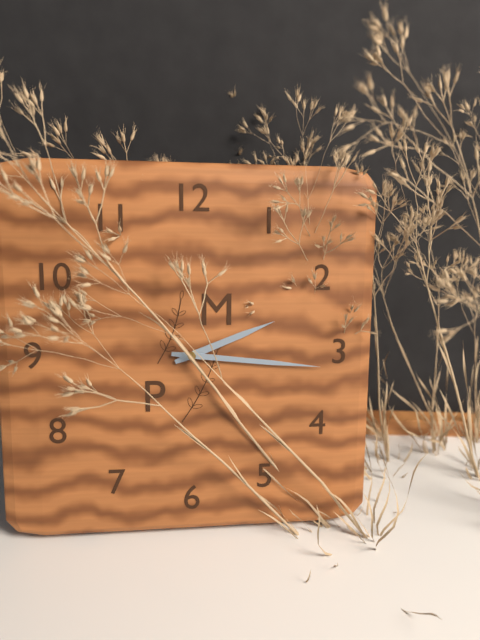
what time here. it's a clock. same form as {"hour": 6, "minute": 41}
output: {"hour": 2, "minute": 16}
